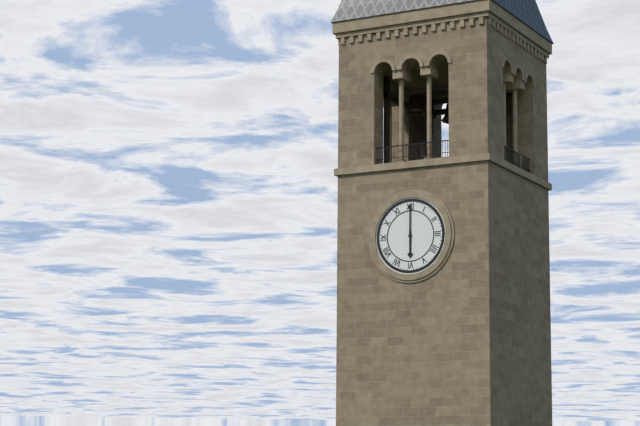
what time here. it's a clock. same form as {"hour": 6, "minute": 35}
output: {"hour": 6, "minute": 0}
